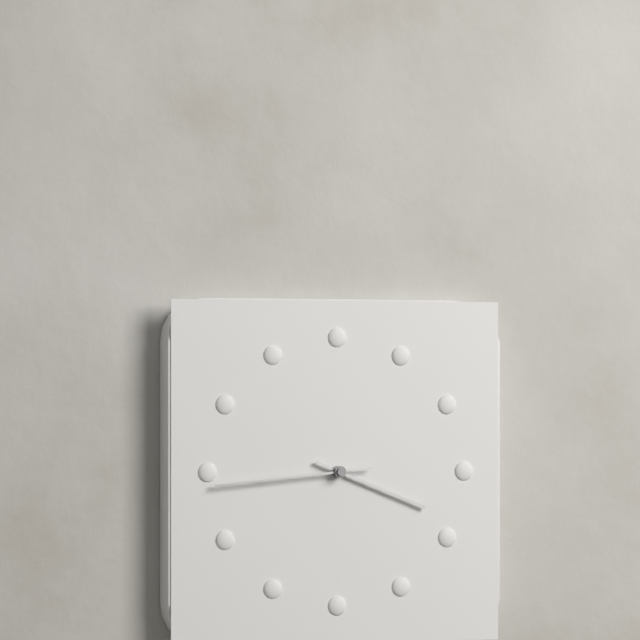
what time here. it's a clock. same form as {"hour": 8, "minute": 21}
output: {"hour": 3, "minute": 44}
